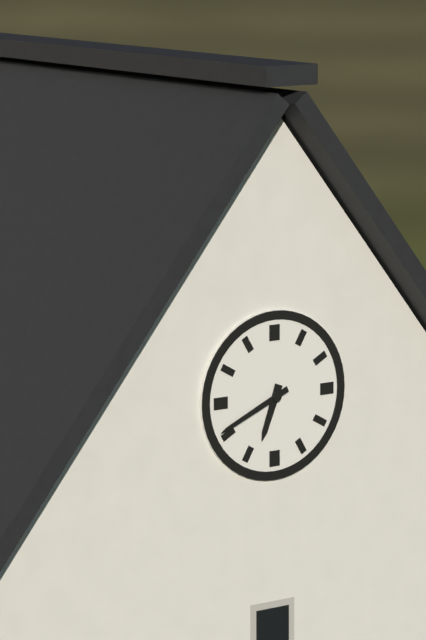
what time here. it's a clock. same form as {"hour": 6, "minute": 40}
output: {"hour": 6, "minute": 41}
